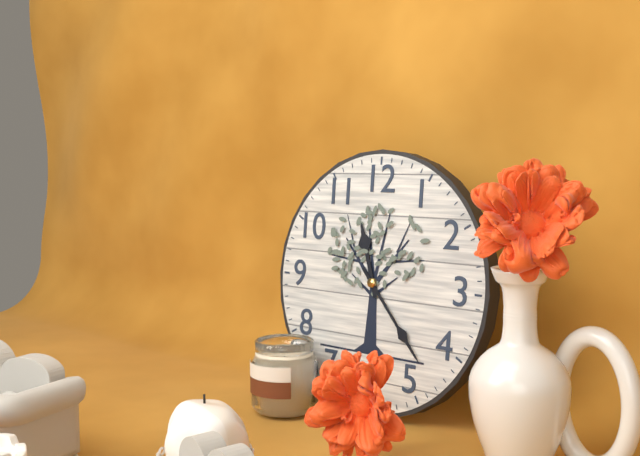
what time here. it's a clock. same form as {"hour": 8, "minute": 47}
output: {"hour": 11, "minute": 23}
